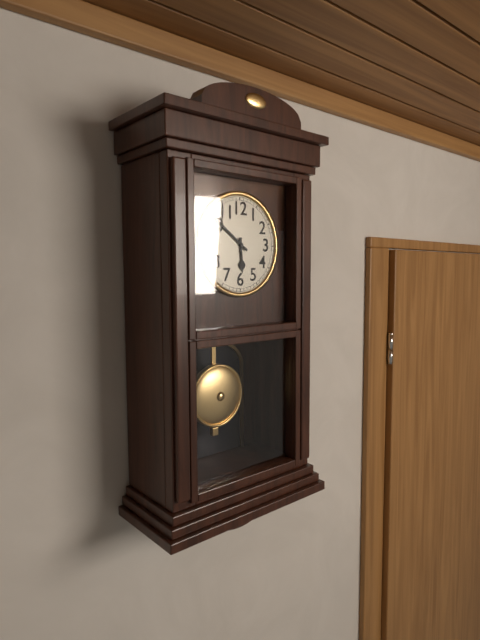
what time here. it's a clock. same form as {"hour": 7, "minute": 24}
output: {"hour": 5, "minute": 51}
